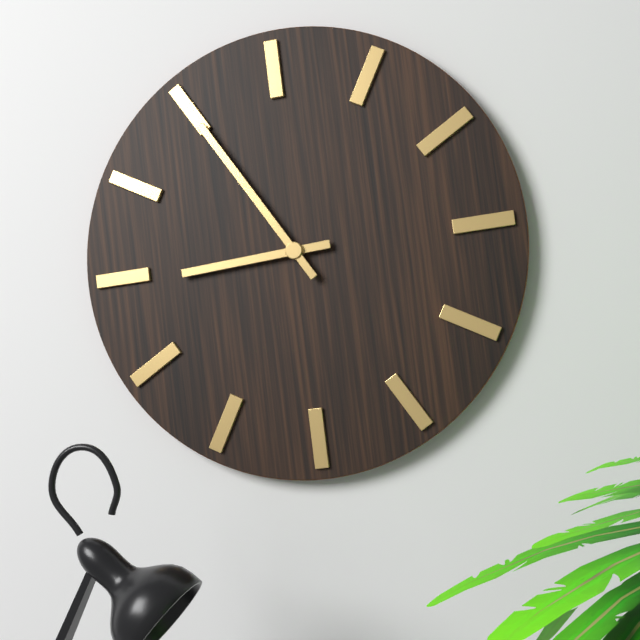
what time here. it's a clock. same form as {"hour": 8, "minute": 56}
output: {"hour": 8, "minute": 55}
